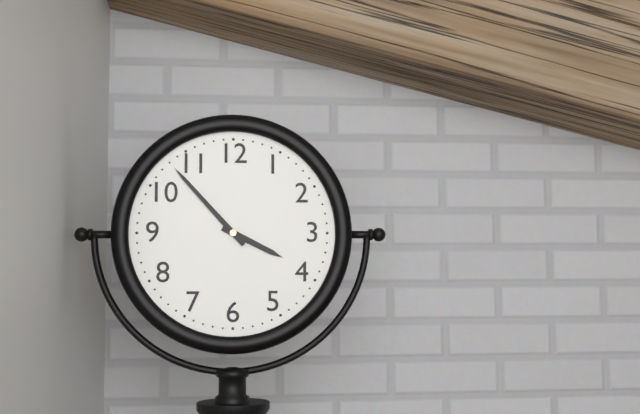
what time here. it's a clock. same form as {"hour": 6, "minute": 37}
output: {"hour": 3, "minute": 53}
